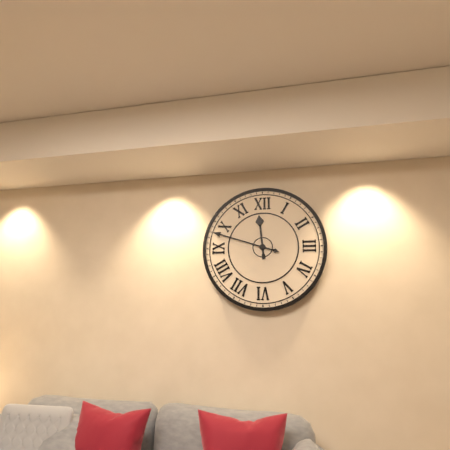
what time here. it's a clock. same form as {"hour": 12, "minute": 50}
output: {"hour": 11, "minute": 48}
